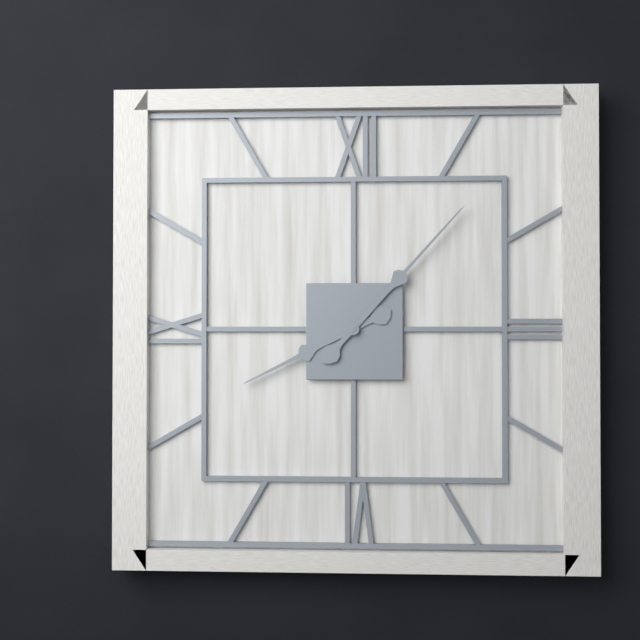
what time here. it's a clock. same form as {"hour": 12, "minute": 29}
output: {"hour": 8, "minute": 7}
